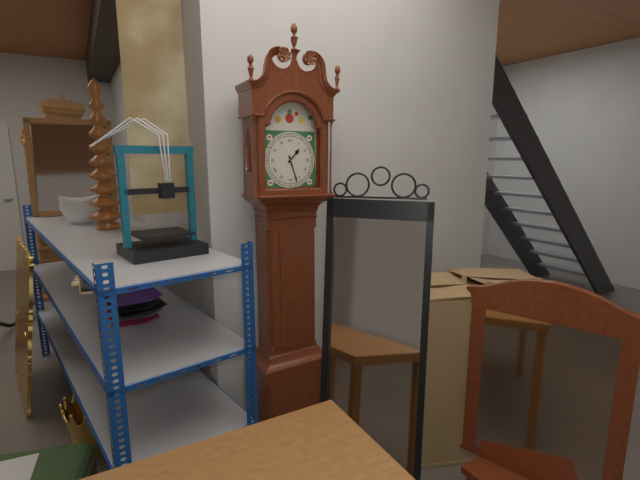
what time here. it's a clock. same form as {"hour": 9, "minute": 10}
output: {"hour": 1, "minute": 27}
